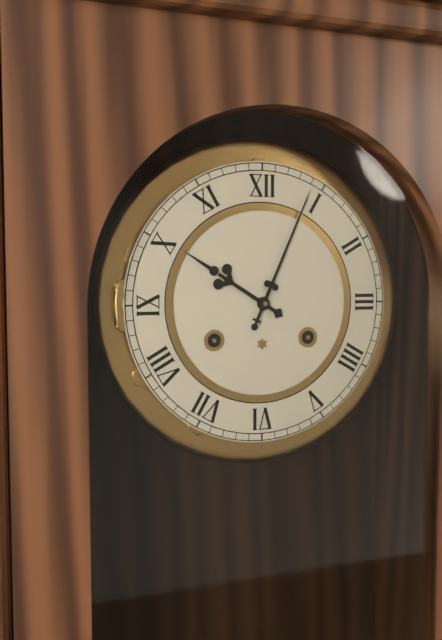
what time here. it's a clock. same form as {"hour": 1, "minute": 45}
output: {"hour": 10, "minute": 4}
